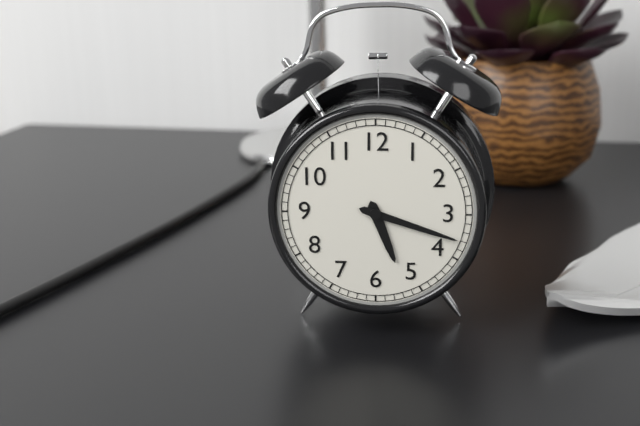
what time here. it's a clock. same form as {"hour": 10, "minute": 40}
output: {"hour": 5, "minute": 18}
